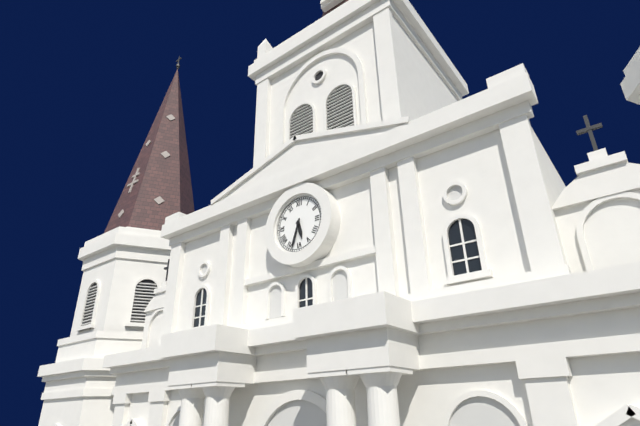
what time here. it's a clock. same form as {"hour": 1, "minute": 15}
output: {"hour": 5, "minute": 33}
